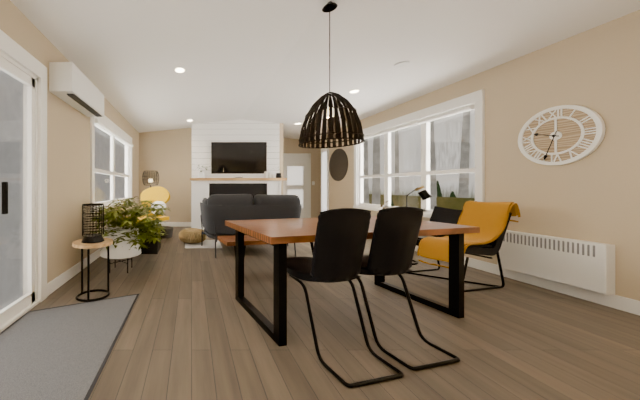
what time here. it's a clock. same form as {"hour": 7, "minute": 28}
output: {"hour": 9, "minute": 33}
